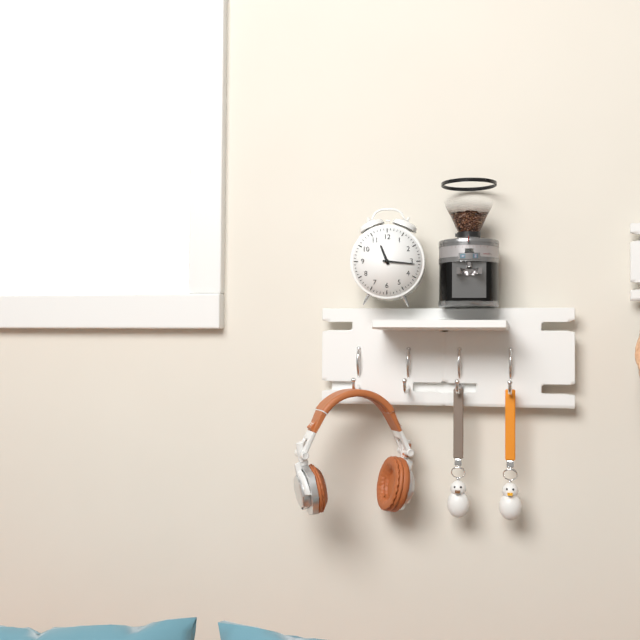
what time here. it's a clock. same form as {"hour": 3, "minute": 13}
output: {"hour": 11, "minute": 16}
